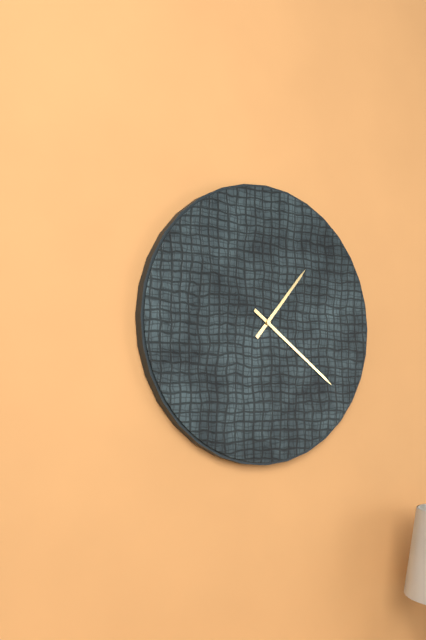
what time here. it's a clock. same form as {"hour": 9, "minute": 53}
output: {"hour": 1, "minute": 21}
